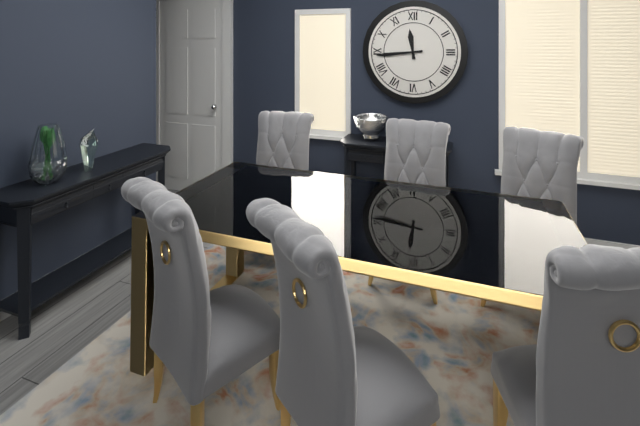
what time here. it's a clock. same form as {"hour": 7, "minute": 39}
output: {"hour": 11, "minute": 44}
